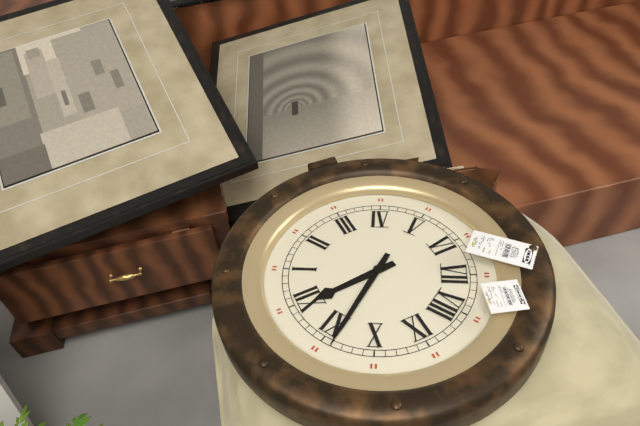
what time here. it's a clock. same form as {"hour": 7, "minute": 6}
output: {"hour": 11, "minute": 54}
